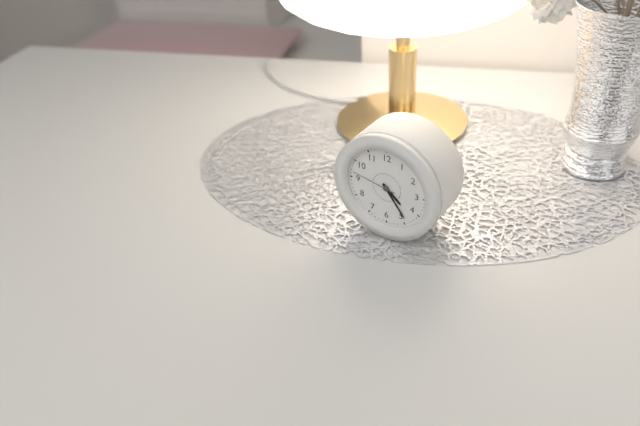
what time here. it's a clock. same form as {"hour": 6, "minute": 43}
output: {"hour": 4, "minute": 24}
